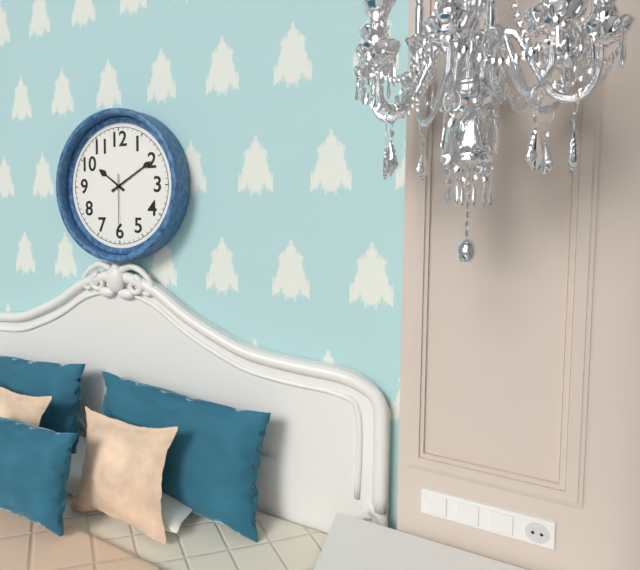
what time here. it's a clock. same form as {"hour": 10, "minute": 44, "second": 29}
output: {"hour": 10, "minute": 10, "second": 30}
